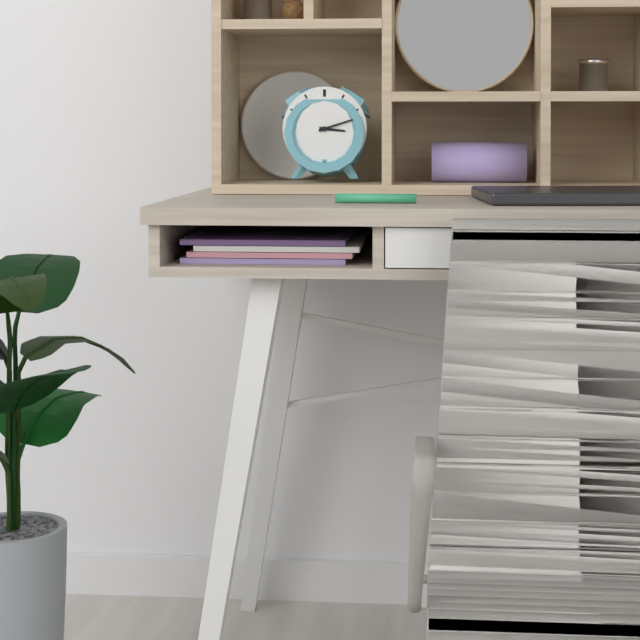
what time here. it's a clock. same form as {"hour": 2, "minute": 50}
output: {"hour": 3, "minute": 12}
